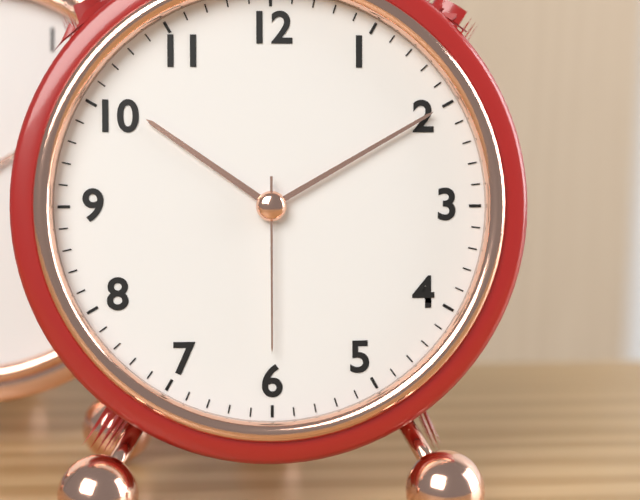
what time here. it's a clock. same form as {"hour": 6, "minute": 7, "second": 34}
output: {"hour": 10, "minute": 10, "second": 30}
